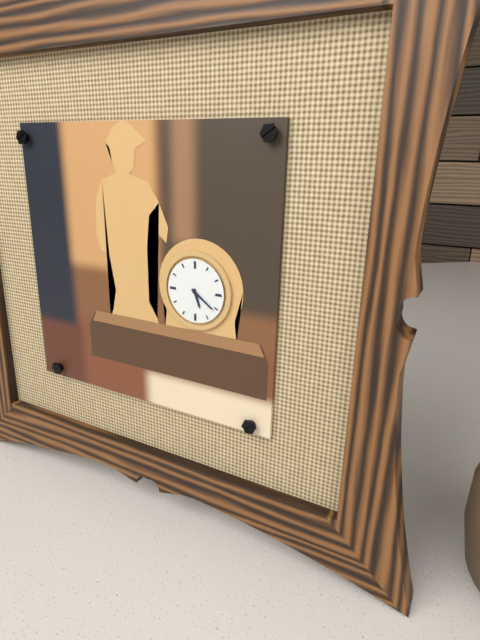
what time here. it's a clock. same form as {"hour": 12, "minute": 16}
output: {"hour": 5, "minute": 21}
